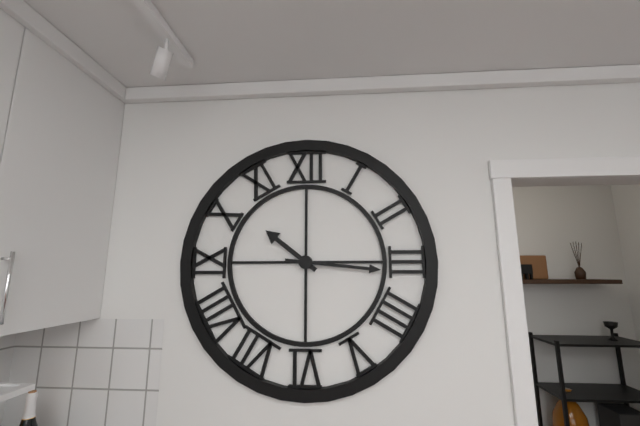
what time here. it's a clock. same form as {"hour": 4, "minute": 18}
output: {"hour": 10, "minute": 16}
